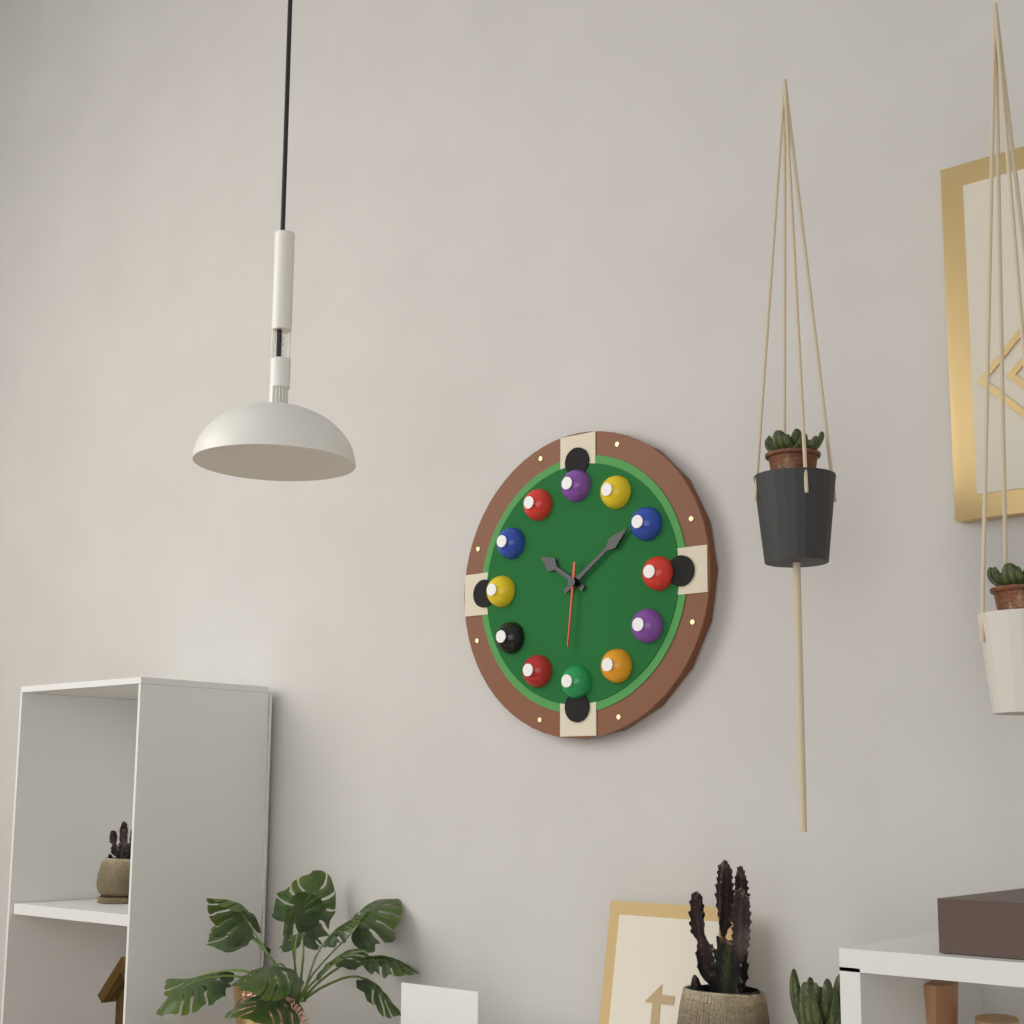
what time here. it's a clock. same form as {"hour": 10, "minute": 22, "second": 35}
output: {"hour": 10, "minute": 9, "second": 31}
